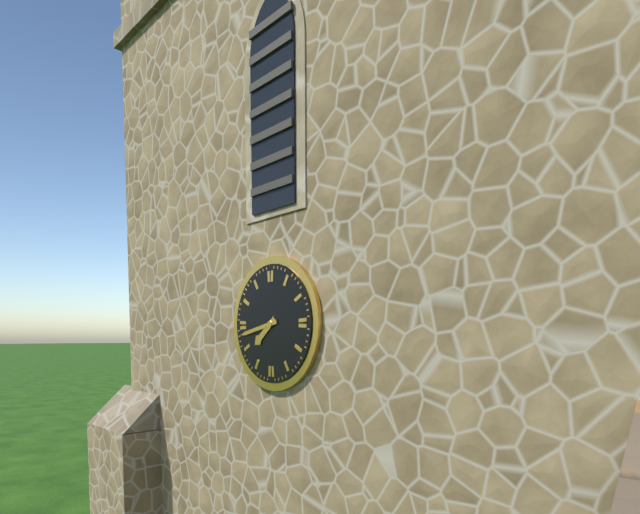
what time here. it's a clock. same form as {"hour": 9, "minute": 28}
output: {"hour": 7, "minute": 43}
